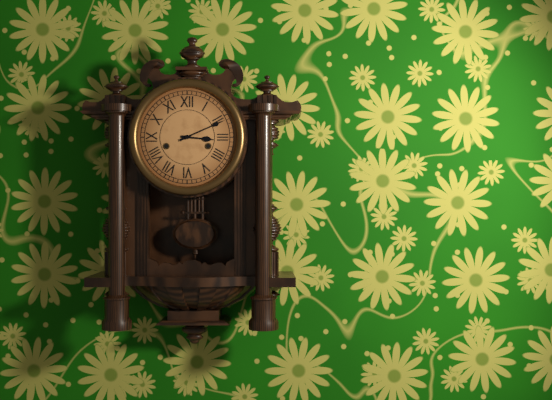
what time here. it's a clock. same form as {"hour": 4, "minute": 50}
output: {"hour": 3, "minute": 11}
